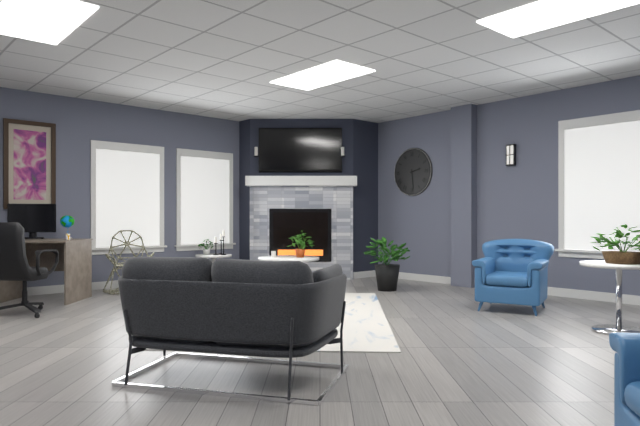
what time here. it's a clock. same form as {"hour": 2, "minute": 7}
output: {"hour": 2, "minute": 29}
